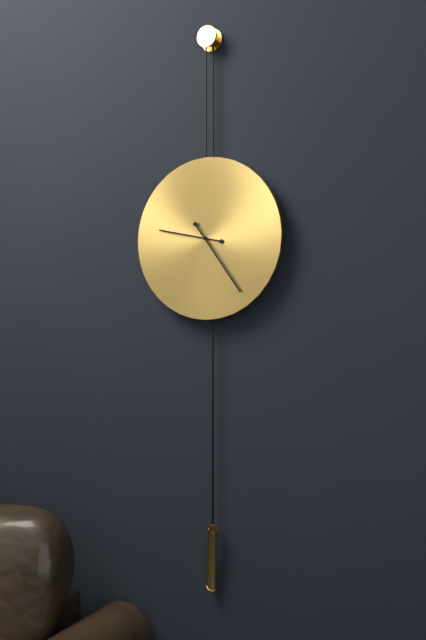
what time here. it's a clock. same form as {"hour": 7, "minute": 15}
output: {"hour": 9, "minute": 24}
